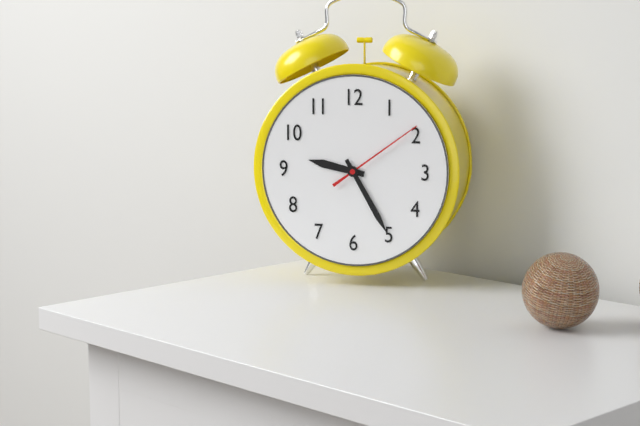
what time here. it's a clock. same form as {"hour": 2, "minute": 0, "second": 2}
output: {"hour": 9, "minute": 25, "second": 9}
